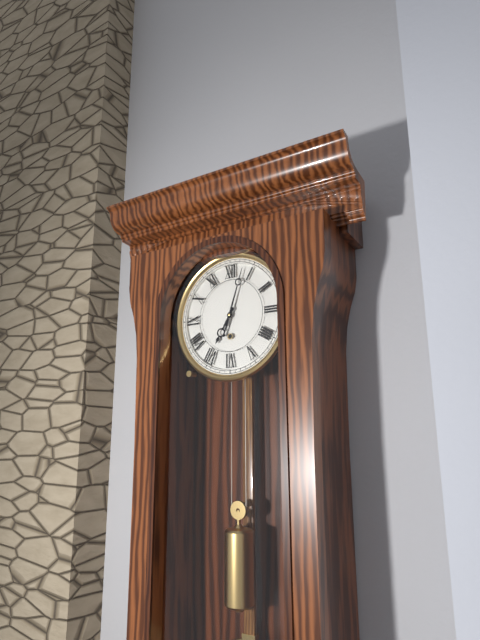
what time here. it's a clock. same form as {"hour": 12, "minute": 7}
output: {"hour": 7, "minute": 3}
